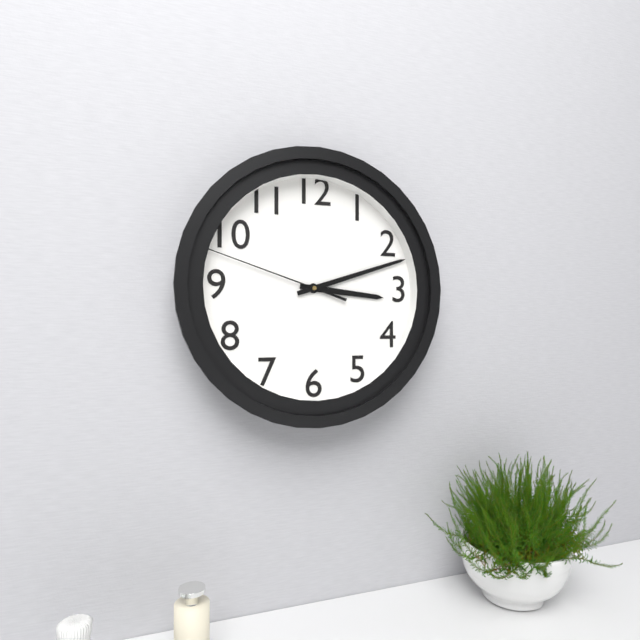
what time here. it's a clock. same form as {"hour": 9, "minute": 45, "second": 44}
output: {"hour": 3, "minute": 12, "second": 48}
